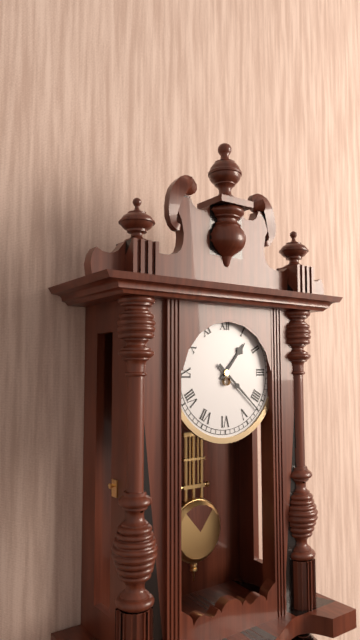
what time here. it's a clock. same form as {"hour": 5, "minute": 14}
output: {"hour": 1, "minute": 22}
